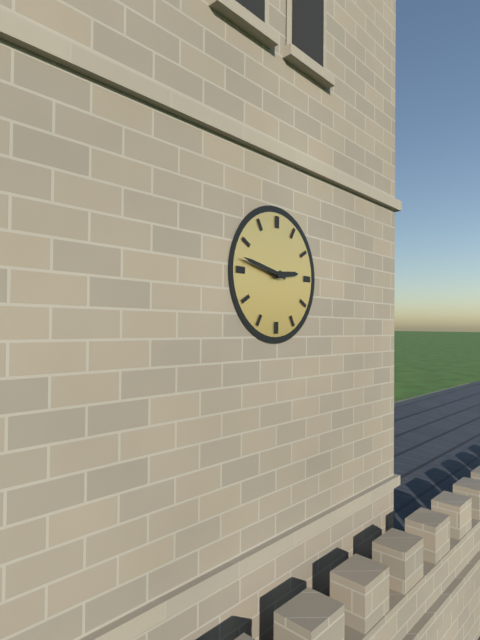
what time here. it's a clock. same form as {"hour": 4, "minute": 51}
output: {"hour": 2, "minute": 47}
